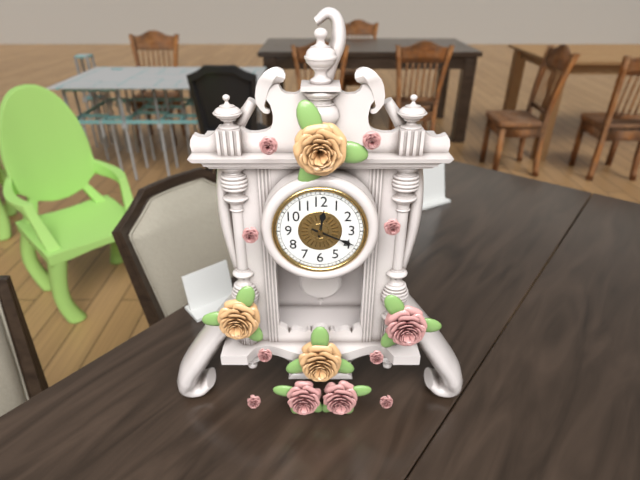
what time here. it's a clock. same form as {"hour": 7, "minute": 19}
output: {"hour": 12, "minute": 19}
